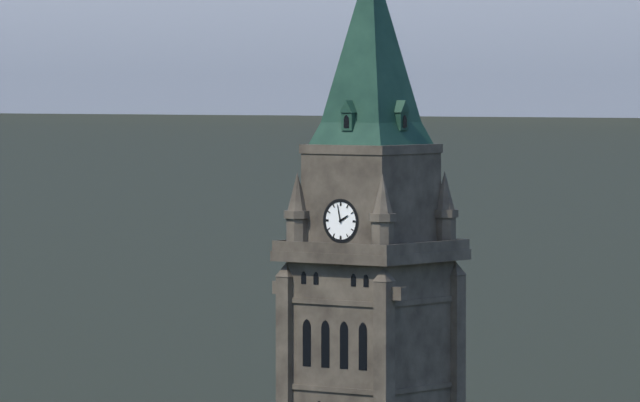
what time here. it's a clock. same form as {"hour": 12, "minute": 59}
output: {"hour": 1, "minute": 58}
